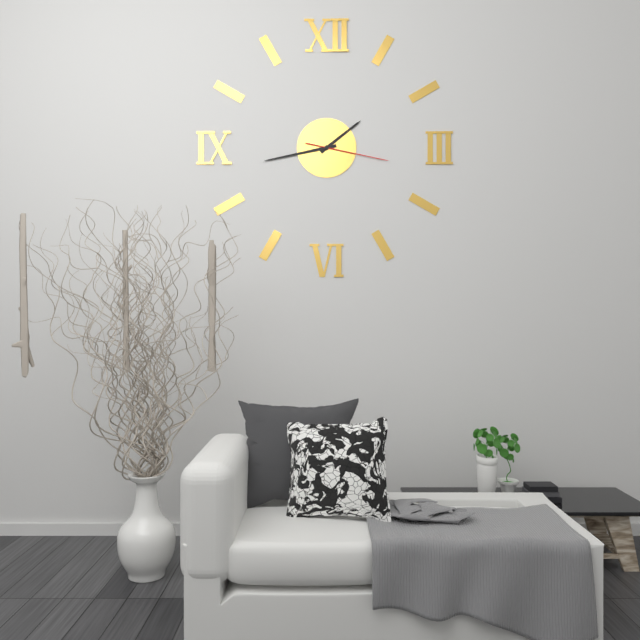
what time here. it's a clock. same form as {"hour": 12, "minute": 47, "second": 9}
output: {"hour": 1, "minute": 43, "second": 17}
